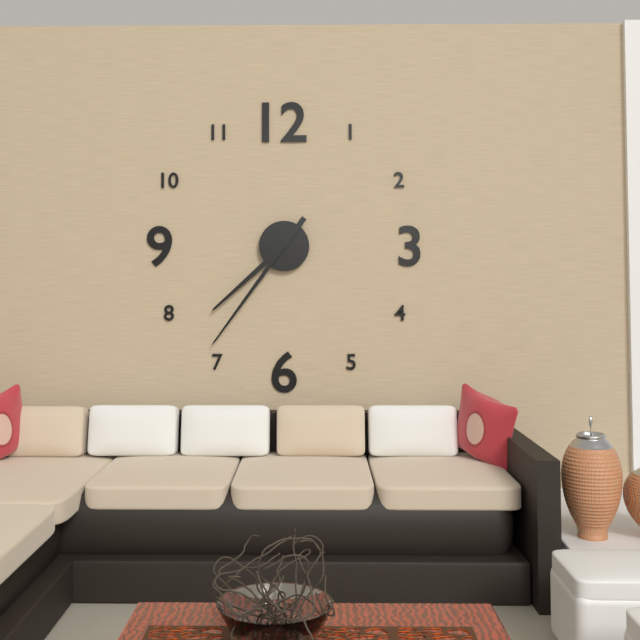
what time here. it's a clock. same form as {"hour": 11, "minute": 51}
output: {"hour": 7, "minute": 36}
